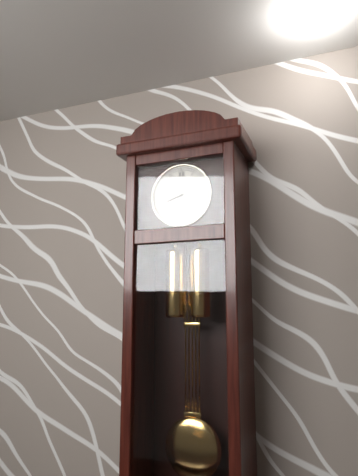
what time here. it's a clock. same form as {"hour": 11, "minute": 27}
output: {"hour": 8, "minute": 24}
